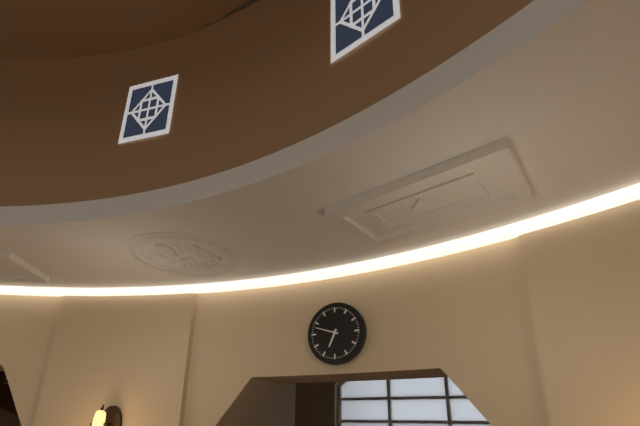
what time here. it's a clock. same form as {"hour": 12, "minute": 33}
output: {"hour": 6, "minute": 48}
